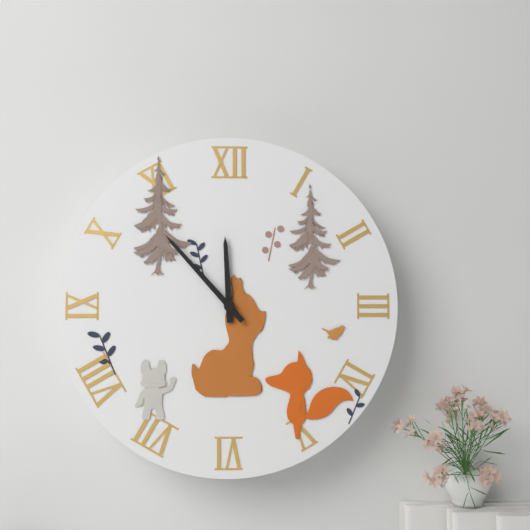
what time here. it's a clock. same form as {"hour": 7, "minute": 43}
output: {"hour": 11, "minute": 53}
